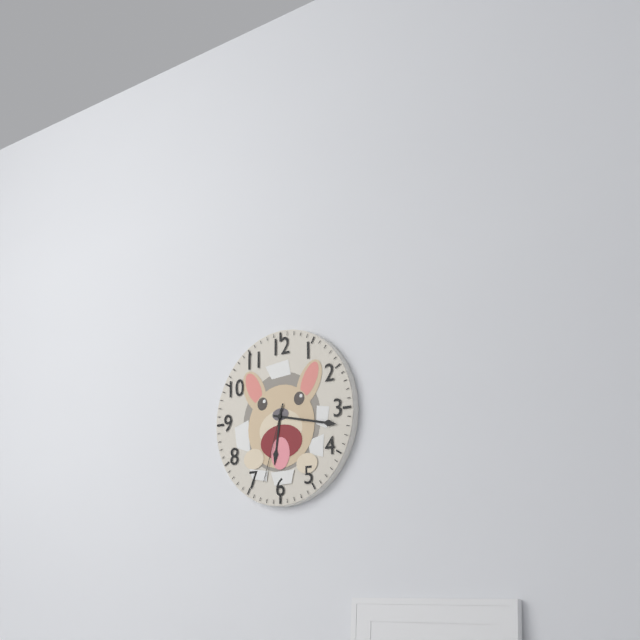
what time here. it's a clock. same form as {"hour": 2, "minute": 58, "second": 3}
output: {"hour": 6, "minute": 17, "second": 33}
